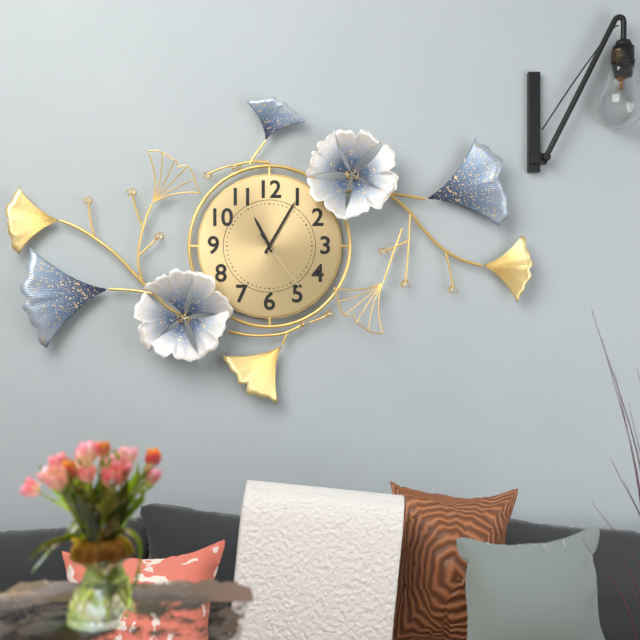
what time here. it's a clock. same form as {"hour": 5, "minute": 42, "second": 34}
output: {"hour": 11, "minute": 5, "second": 24}
